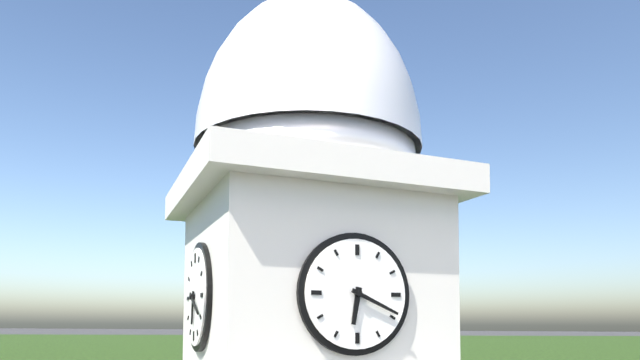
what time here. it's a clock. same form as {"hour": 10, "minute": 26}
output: {"hour": 6, "minute": 19}
